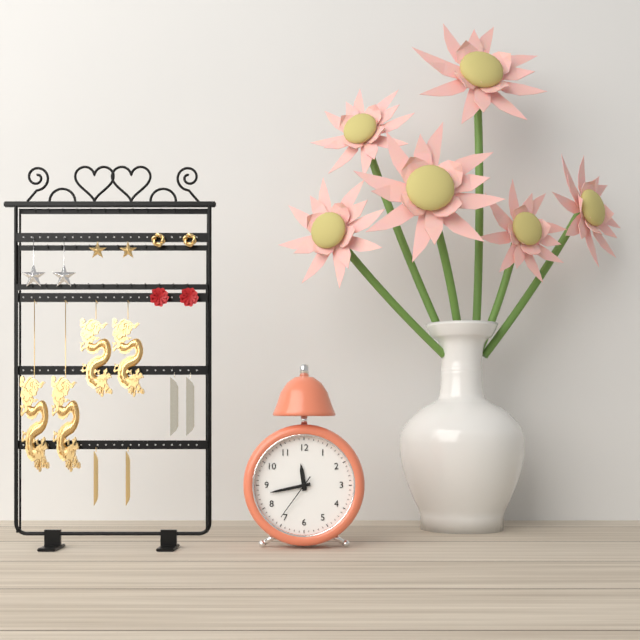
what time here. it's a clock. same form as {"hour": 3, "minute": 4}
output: {"hour": 11, "minute": 43}
